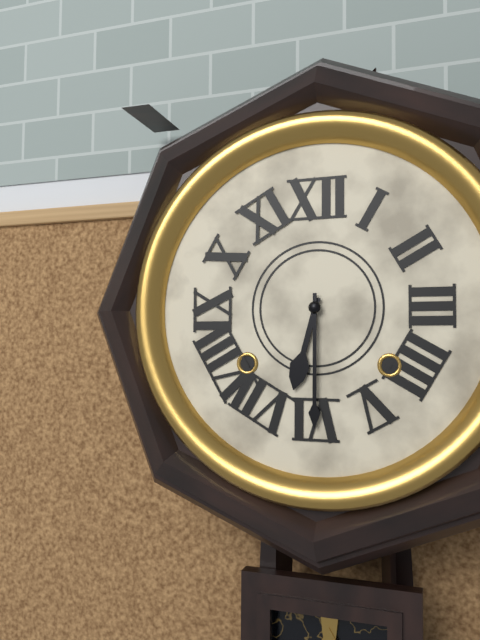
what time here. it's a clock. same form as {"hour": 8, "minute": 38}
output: {"hour": 6, "minute": 30}
